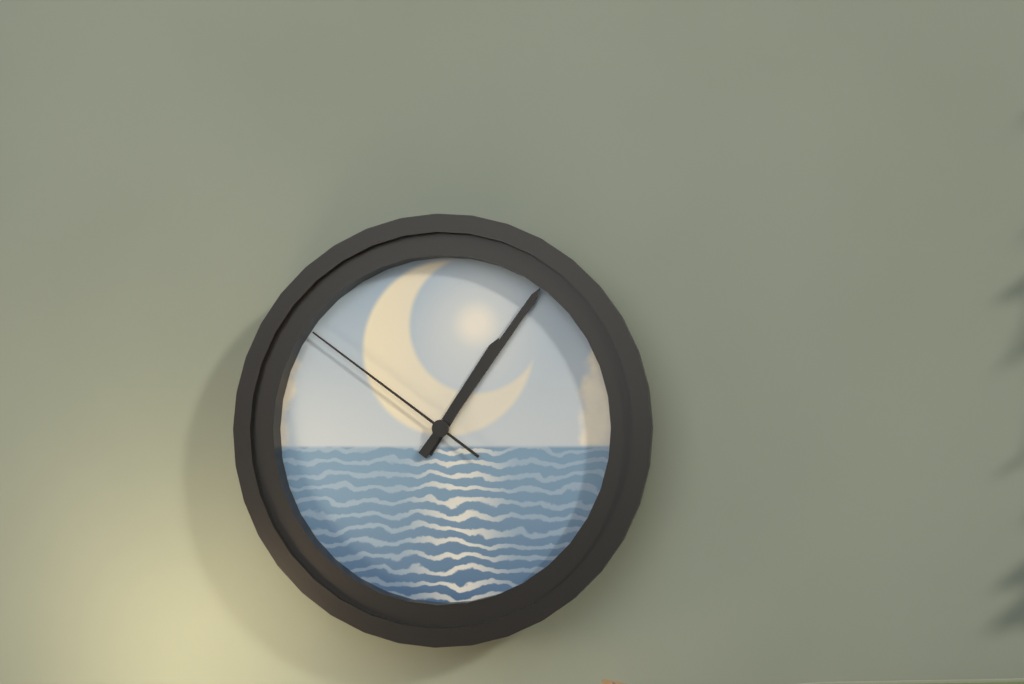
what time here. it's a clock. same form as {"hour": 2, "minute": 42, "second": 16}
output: {"hour": 1, "minute": 6, "second": 51}
